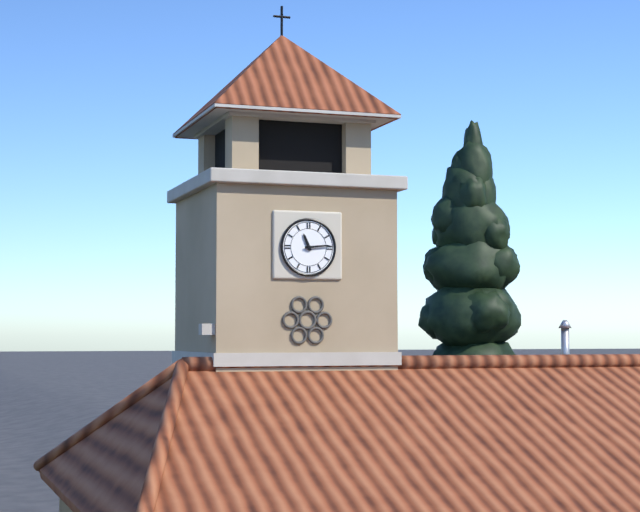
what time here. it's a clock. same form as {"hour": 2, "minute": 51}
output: {"hour": 11, "minute": 14}
